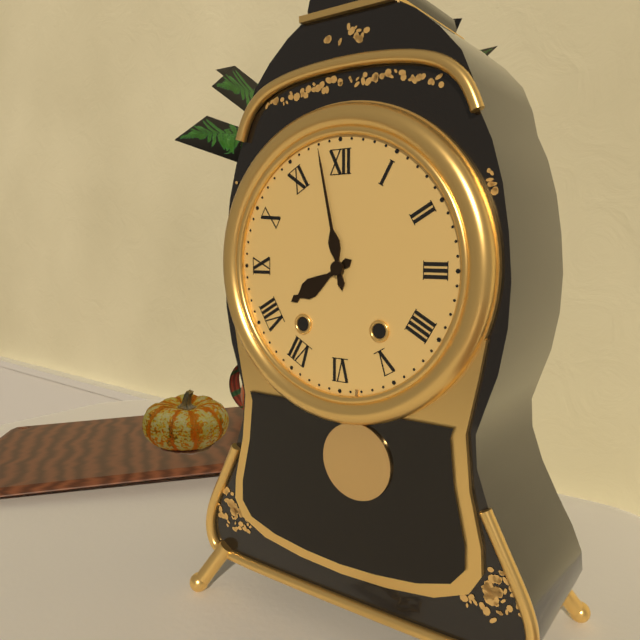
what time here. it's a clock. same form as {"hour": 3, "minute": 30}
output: {"hour": 7, "minute": 58}
